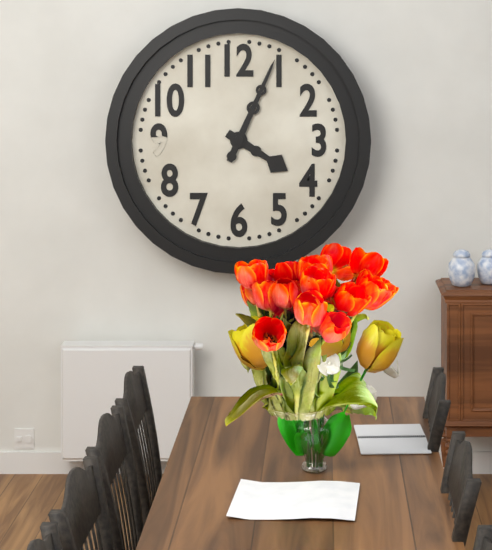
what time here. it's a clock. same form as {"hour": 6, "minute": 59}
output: {"hour": 4, "minute": 4}
